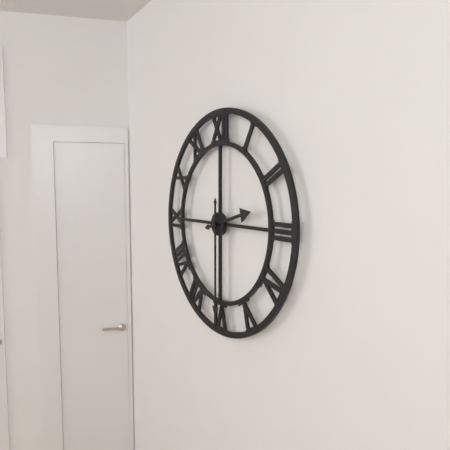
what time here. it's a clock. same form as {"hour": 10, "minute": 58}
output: {"hour": 2, "minute": 30}
